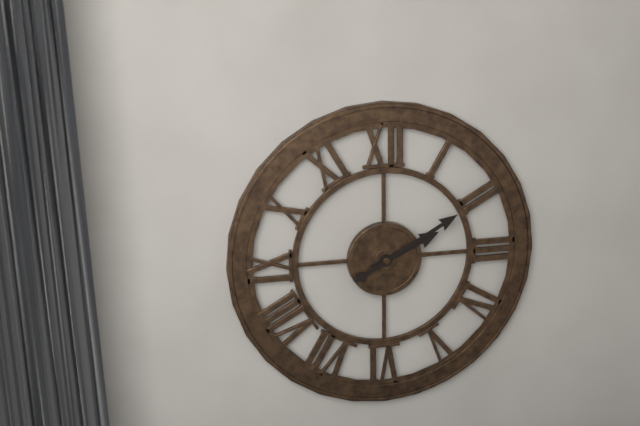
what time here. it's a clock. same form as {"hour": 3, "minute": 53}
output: {"hour": 2, "minute": 10}
